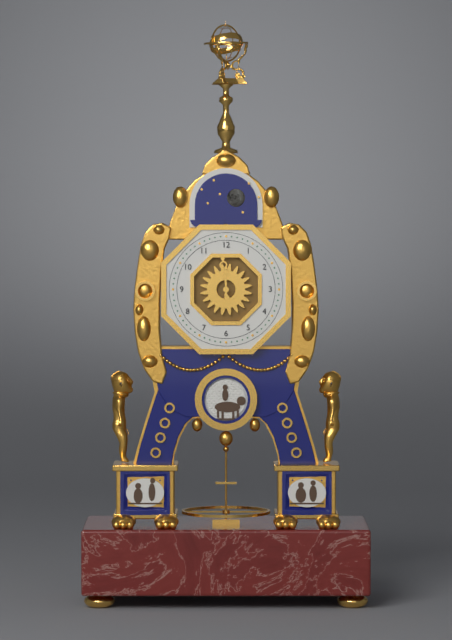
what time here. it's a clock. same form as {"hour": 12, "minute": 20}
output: {"hour": 11, "minute": 59}
